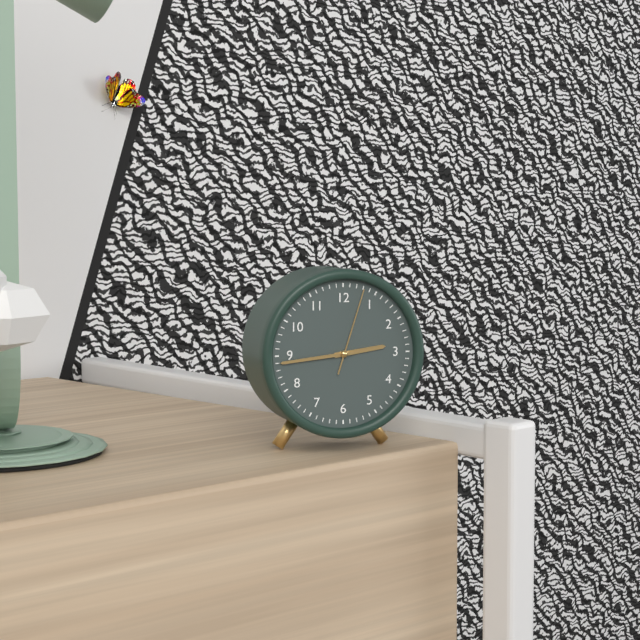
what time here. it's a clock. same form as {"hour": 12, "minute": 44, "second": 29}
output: {"hour": 2, "minute": 44, "second": 3}
